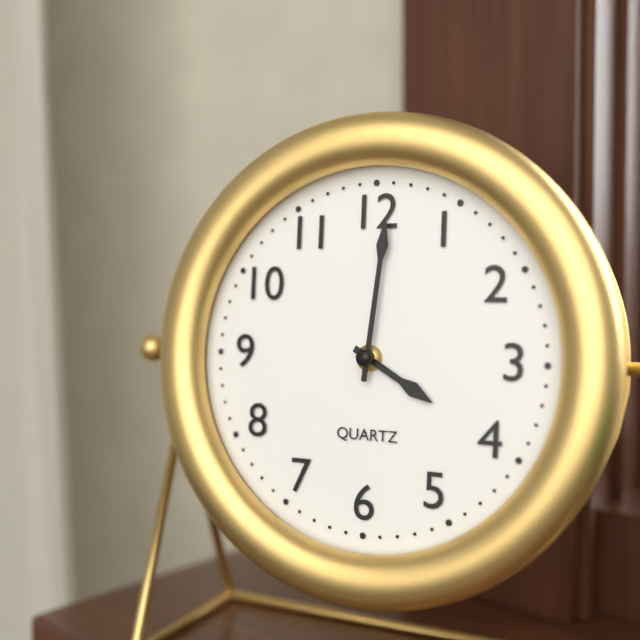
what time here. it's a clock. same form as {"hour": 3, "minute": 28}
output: {"hour": 4, "minute": 1}
